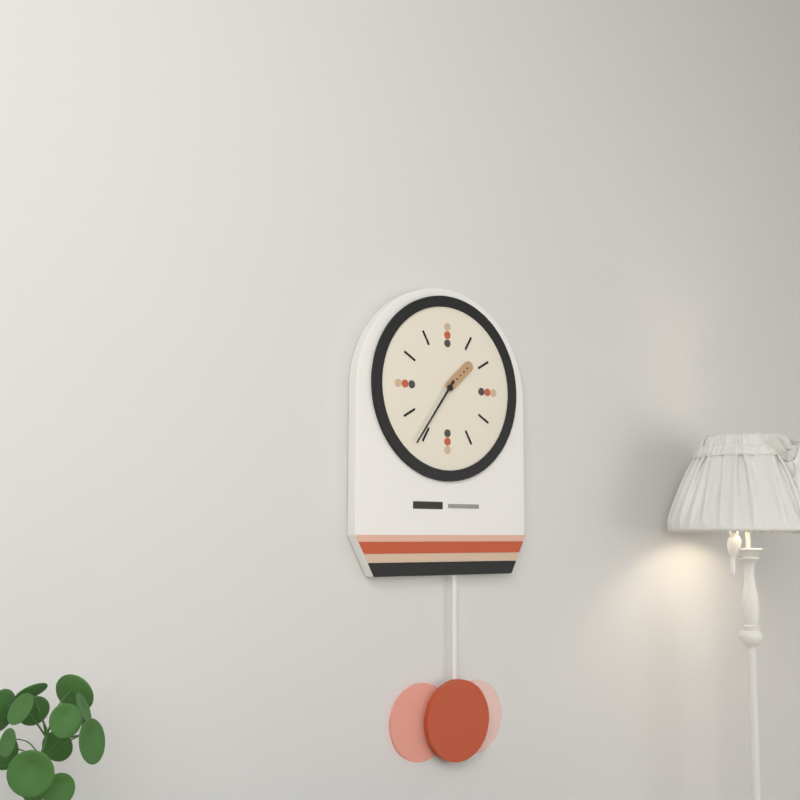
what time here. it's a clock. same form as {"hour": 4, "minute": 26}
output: {"hour": 1, "minute": 36}
